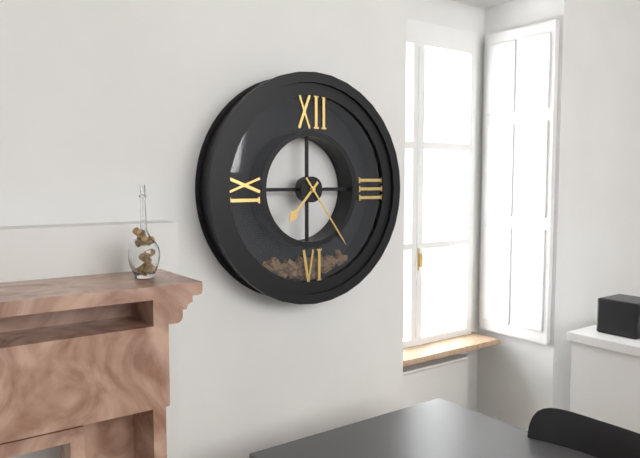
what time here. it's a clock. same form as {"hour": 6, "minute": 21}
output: {"hour": 7, "minute": 24}
